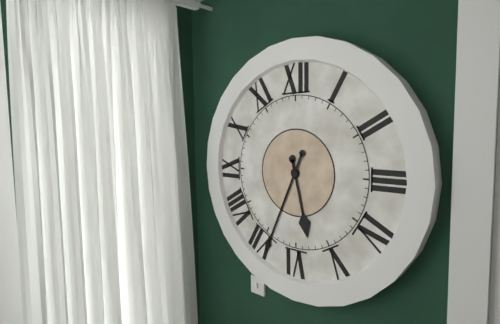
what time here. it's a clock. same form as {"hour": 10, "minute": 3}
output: {"hour": 5, "minute": 34}
